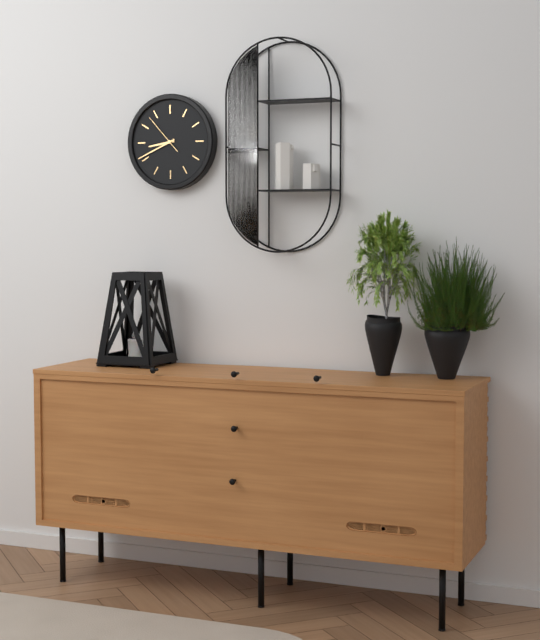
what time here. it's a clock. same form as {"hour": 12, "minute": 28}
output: {"hour": 8, "minute": 41}
